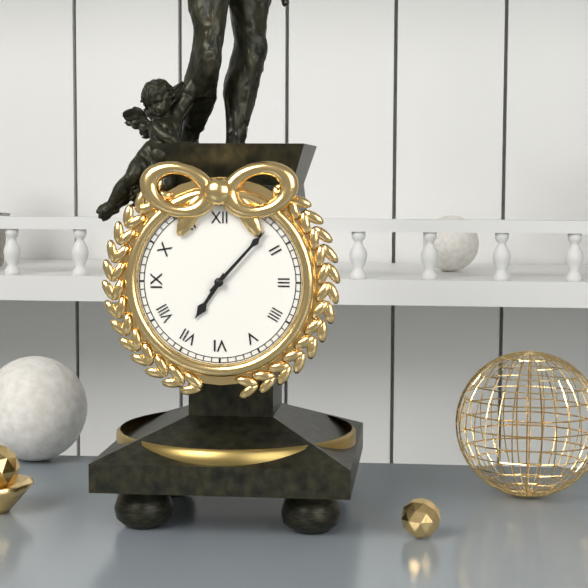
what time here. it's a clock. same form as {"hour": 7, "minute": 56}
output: {"hour": 7, "minute": 7}
